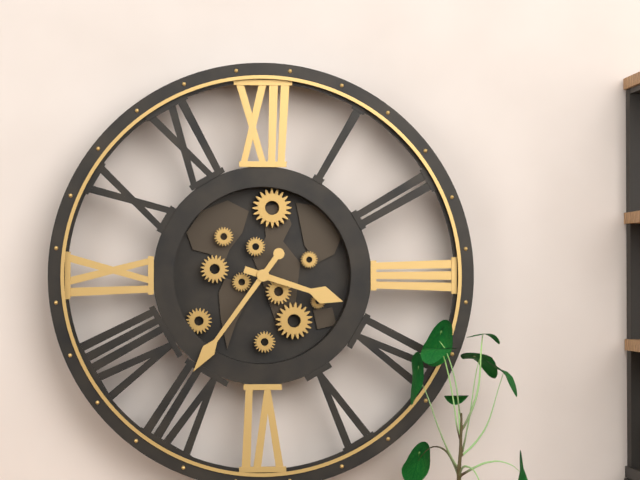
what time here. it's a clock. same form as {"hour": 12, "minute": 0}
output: {"hour": 3, "minute": 36}
